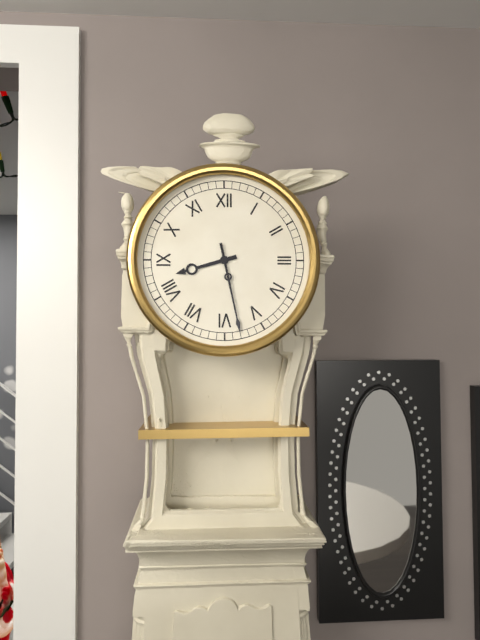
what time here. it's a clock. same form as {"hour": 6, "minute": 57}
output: {"hour": 8, "minute": 28}
